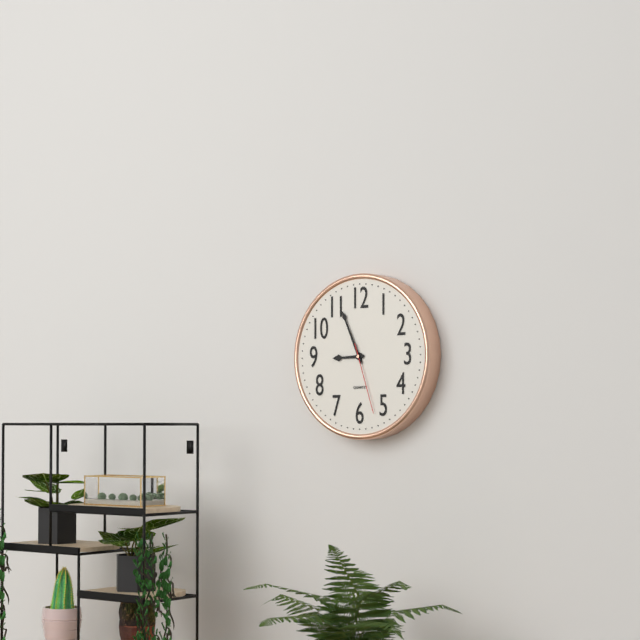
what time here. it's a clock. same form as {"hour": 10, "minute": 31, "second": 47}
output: {"hour": 8, "minute": 56, "second": 27}
